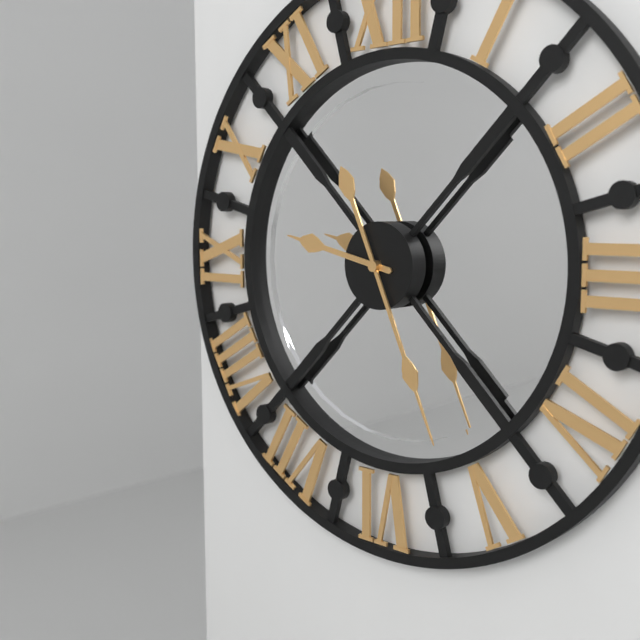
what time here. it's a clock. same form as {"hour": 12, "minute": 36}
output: {"hour": 9, "minute": 26}
